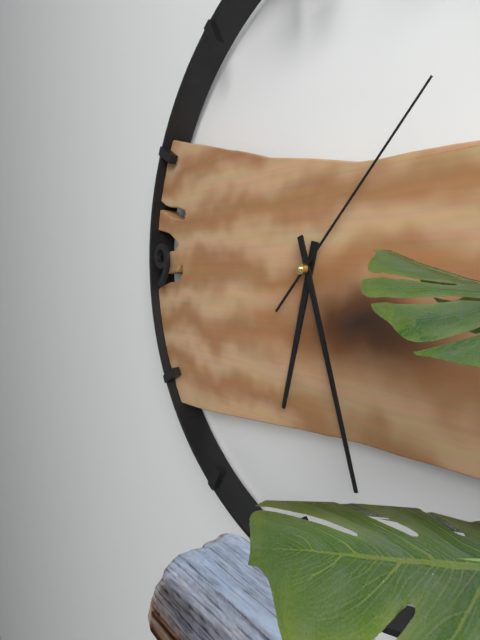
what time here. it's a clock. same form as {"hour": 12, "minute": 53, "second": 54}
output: {"hour": 6, "minute": 27, "second": 7}
